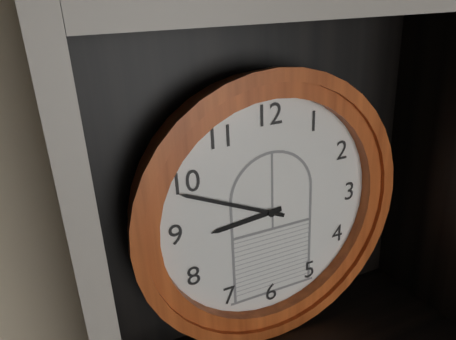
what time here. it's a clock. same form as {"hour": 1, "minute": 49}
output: {"hour": 8, "minute": 49}
